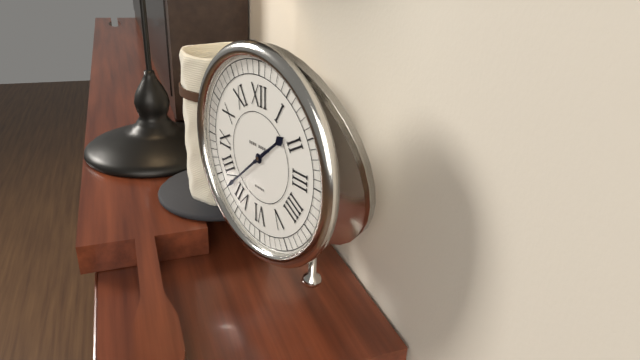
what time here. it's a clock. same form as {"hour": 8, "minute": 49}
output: {"hour": 1, "minute": 38}
